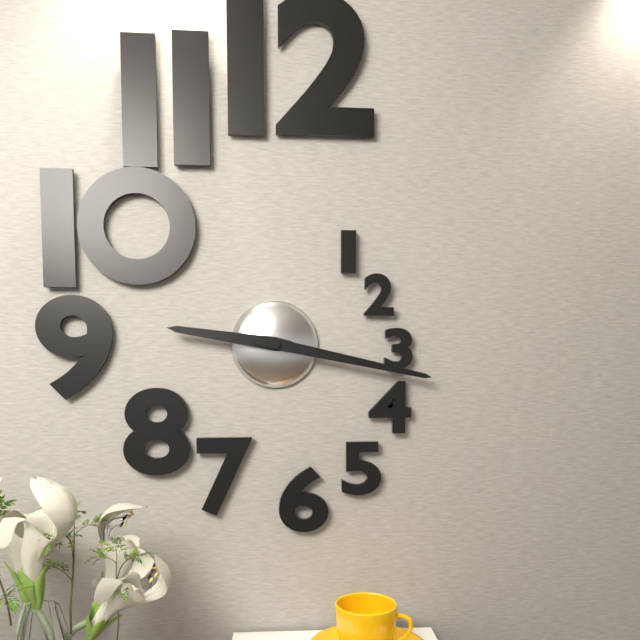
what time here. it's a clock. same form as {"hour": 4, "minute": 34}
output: {"hour": 9, "minute": 17}
